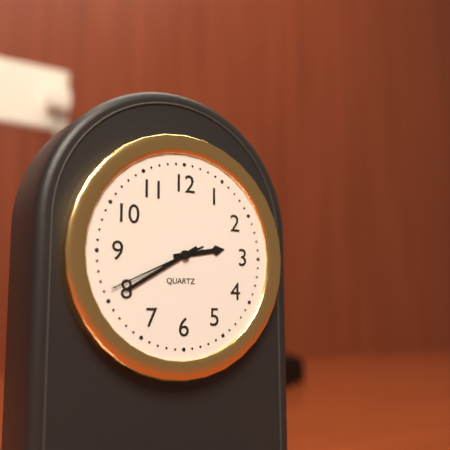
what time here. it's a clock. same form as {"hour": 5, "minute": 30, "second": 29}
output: {"hour": 2, "minute": 40, "second": 41}
